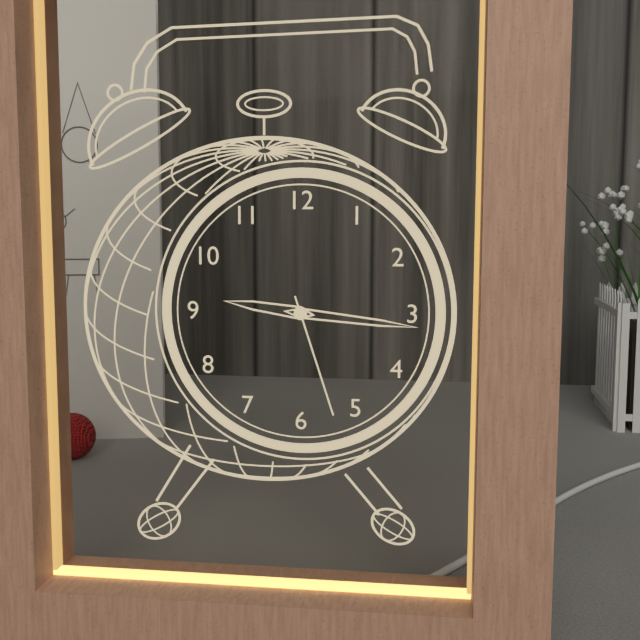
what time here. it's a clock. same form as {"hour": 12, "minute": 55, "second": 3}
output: {"hour": 9, "minute": 16, "second": 27}
